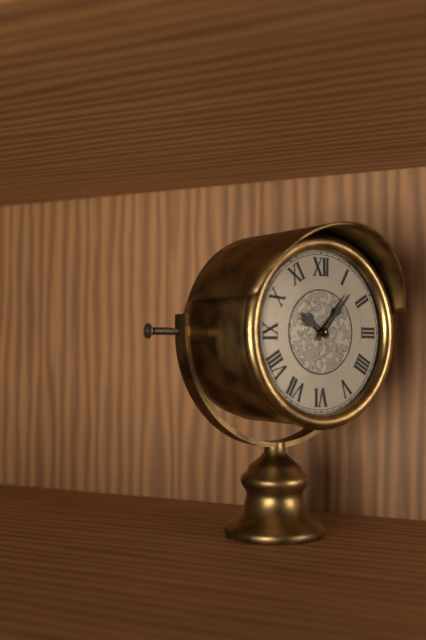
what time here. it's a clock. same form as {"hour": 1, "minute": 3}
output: {"hour": 10, "minute": 7}
